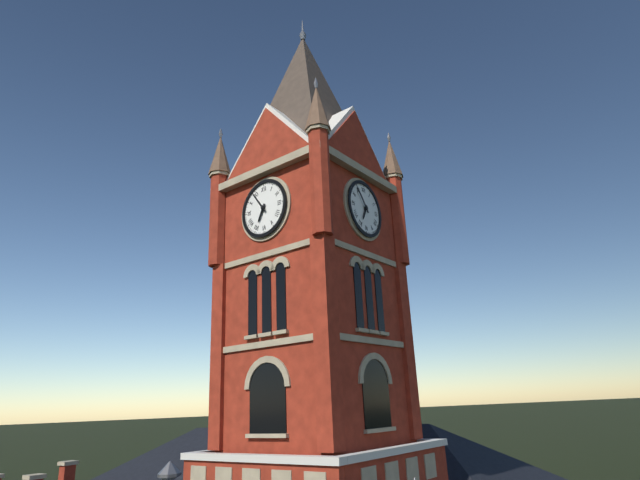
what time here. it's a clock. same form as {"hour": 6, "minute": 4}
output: {"hour": 6, "minute": 54}
